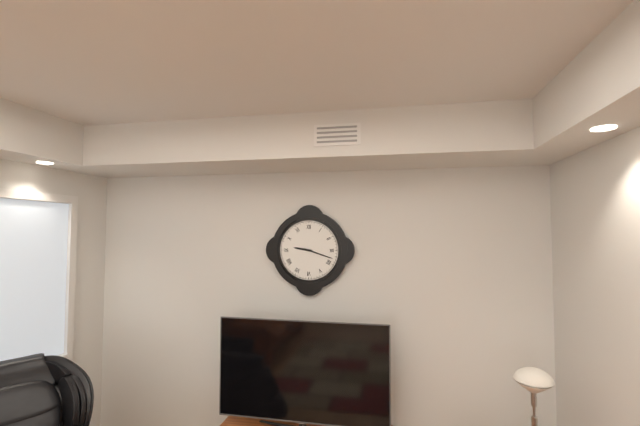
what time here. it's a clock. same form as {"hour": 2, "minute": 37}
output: {"hour": 9, "minute": 18}
